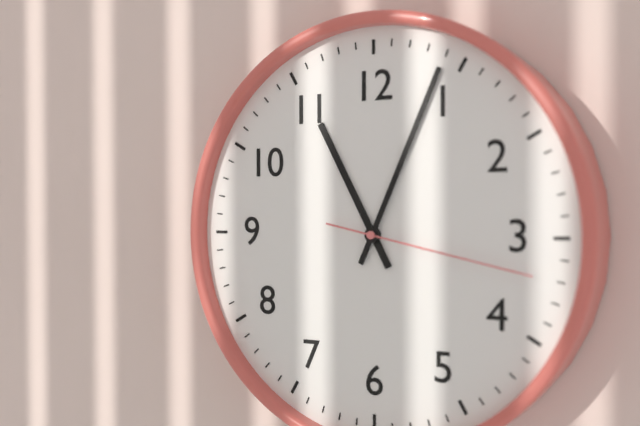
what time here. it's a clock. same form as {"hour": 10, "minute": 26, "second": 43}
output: {"hour": 11, "minute": 4, "second": 17}
